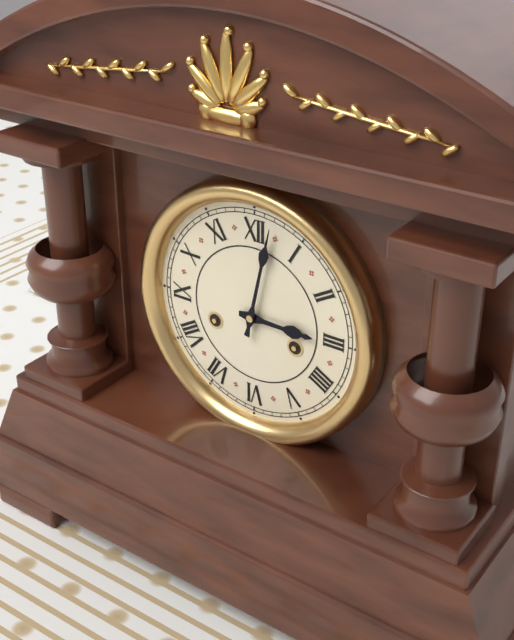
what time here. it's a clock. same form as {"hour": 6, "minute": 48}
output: {"hour": 3, "minute": 2}
